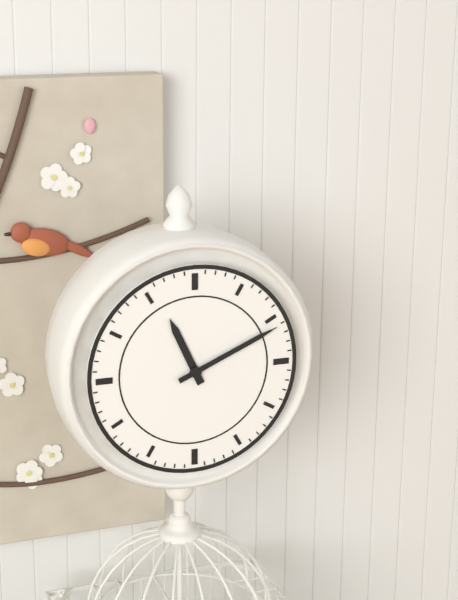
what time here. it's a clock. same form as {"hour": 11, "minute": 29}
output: {"hour": 11, "minute": 11}
